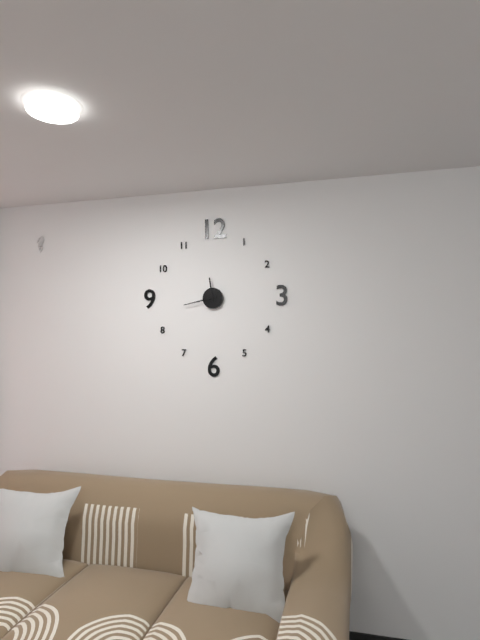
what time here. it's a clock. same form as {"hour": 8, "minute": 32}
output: {"hour": 11, "minute": 43}
